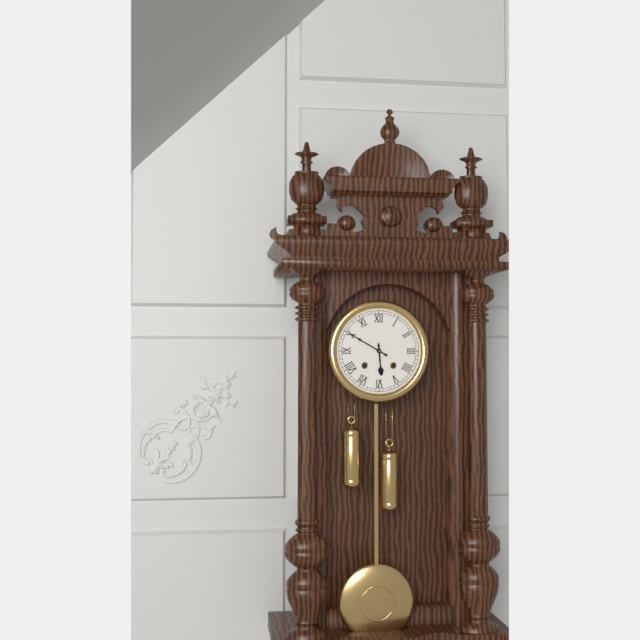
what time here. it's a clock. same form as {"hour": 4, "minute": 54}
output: {"hour": 5, "minute": 50}
